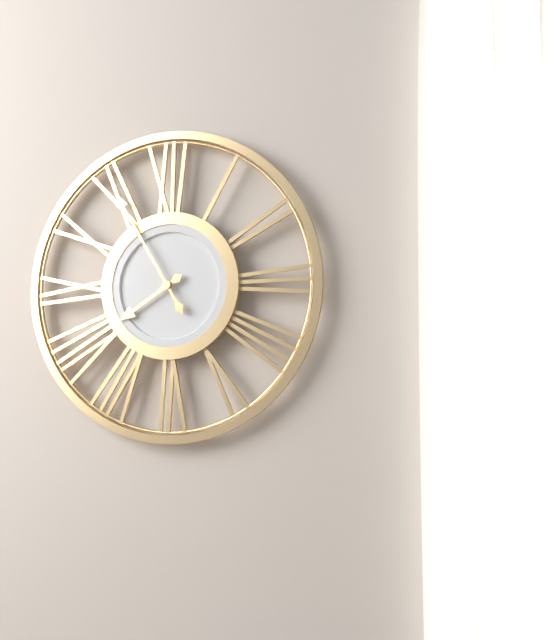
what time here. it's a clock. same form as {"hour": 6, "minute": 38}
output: {"hour": 7, "minute": 55}
